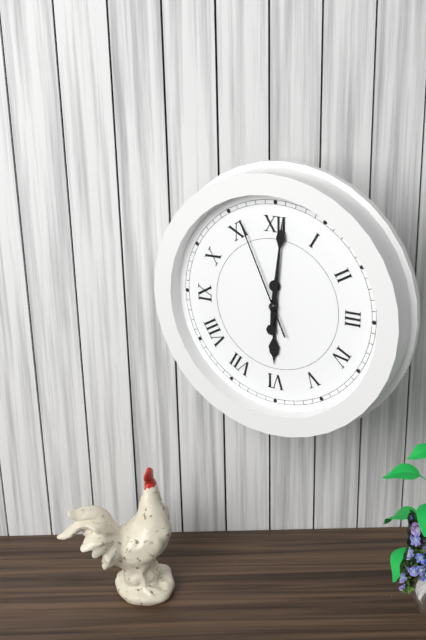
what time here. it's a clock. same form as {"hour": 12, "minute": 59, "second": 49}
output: {"hour": 6, "minute": 1, "second": 56}
